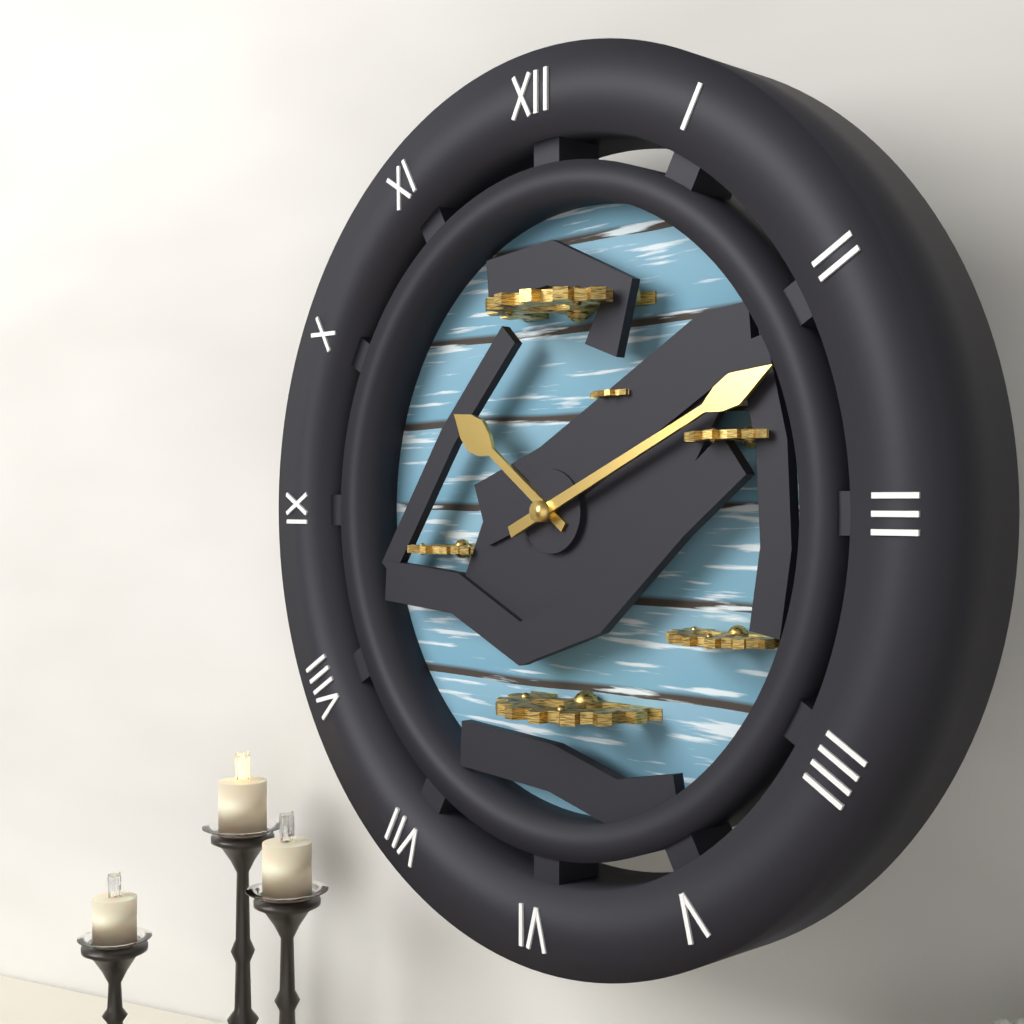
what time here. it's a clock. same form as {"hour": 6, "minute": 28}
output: {"hour": 10, "minute": 11}
